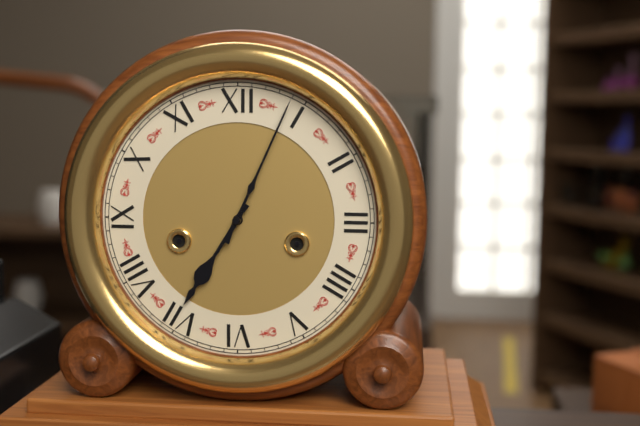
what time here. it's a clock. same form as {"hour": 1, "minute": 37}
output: {"hour": 7, "minute": 4}
